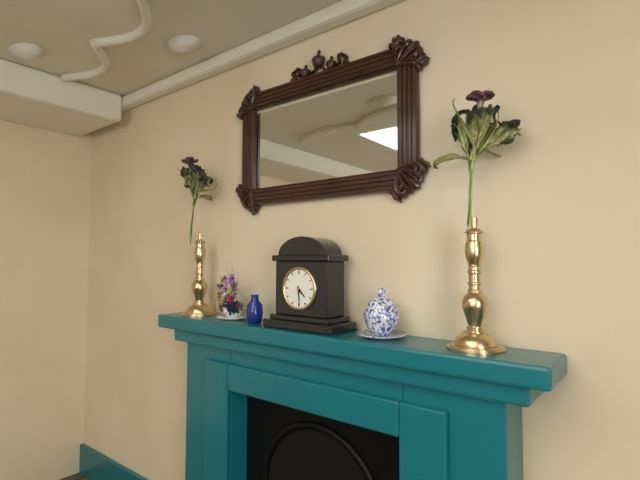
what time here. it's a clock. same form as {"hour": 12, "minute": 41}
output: {"hour": 4, "minute": 29}
